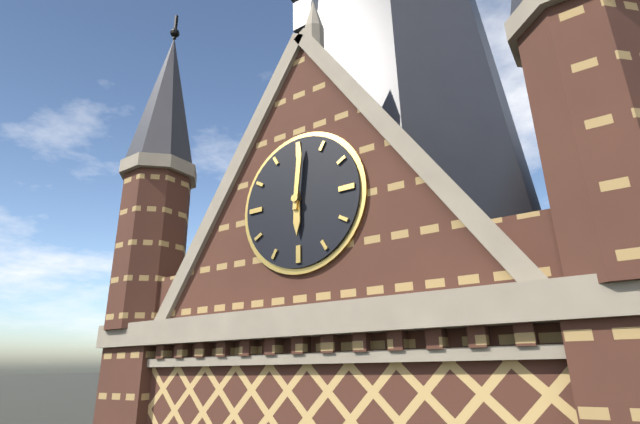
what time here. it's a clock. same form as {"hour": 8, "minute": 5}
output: {"hour": 6, "minute": 1}
